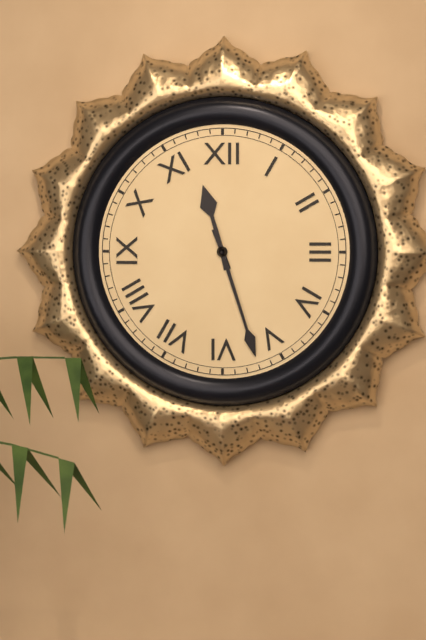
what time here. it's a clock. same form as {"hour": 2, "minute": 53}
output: {"hour": 11, "minute": 27}
